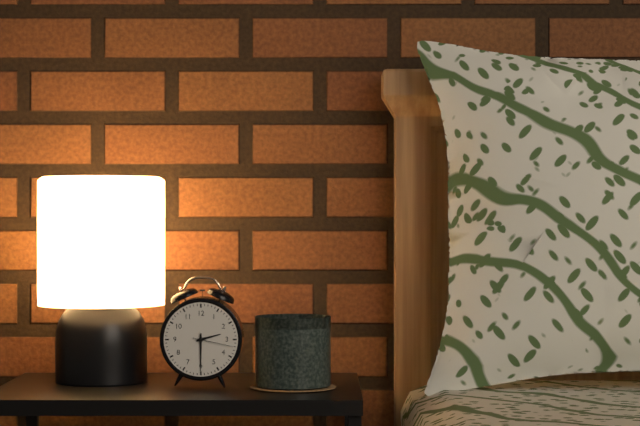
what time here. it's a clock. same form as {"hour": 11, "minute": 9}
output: {"hour": 2, "minute": 30}
